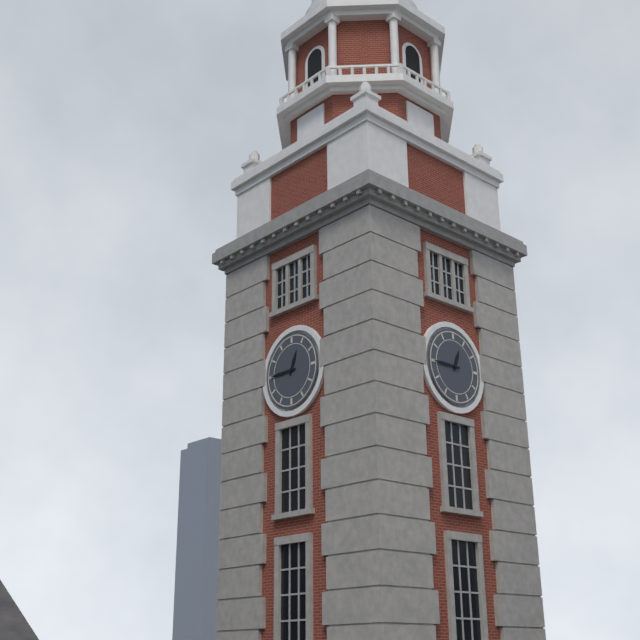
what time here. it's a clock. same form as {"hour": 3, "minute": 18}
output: {"hour": 12, "minute": 45}
